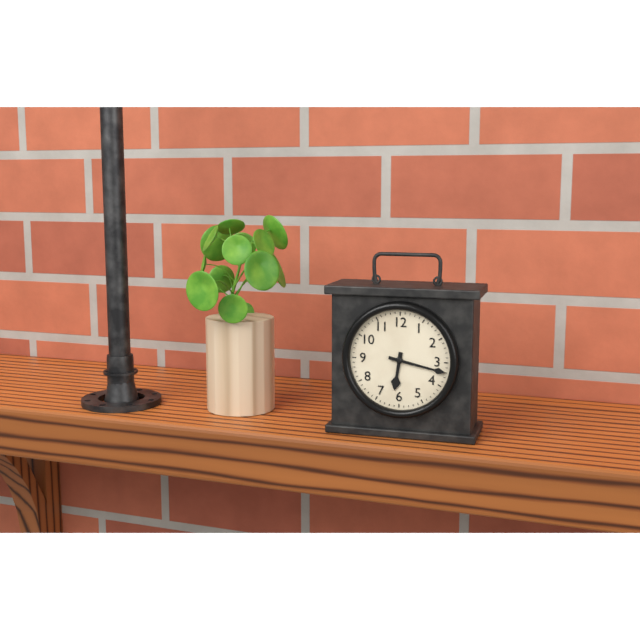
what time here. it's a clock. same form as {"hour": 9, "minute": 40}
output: {"hour": 6, "minute": 17}
